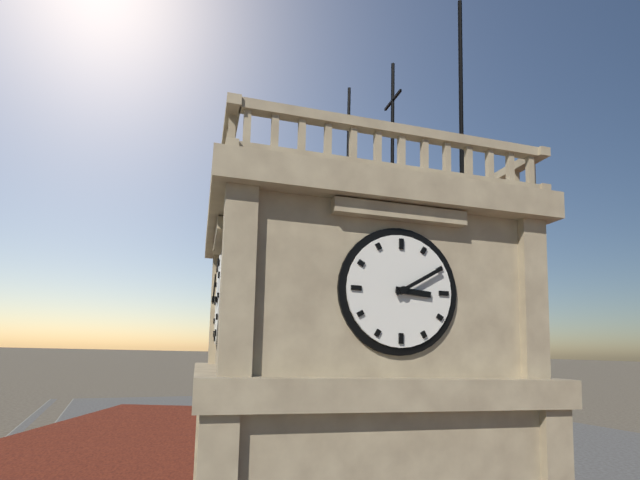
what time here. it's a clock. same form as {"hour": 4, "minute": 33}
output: {"hour": 3, "minute": 10}
